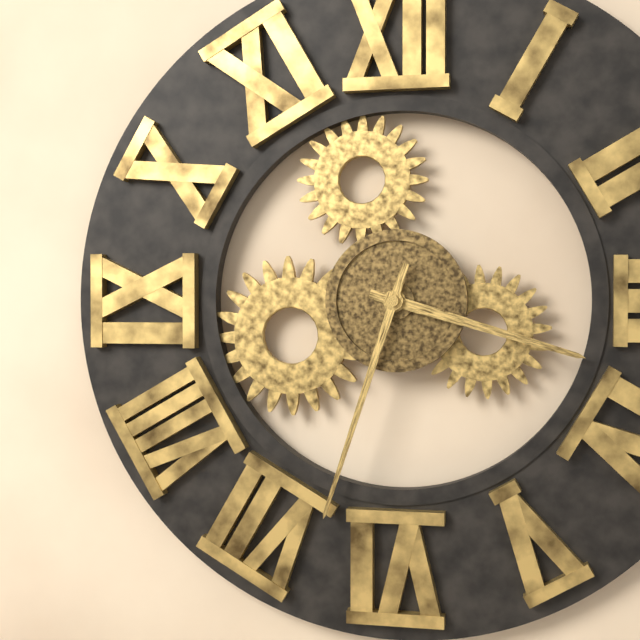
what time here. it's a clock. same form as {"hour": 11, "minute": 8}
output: {"hour": 3, "minute": 33}
